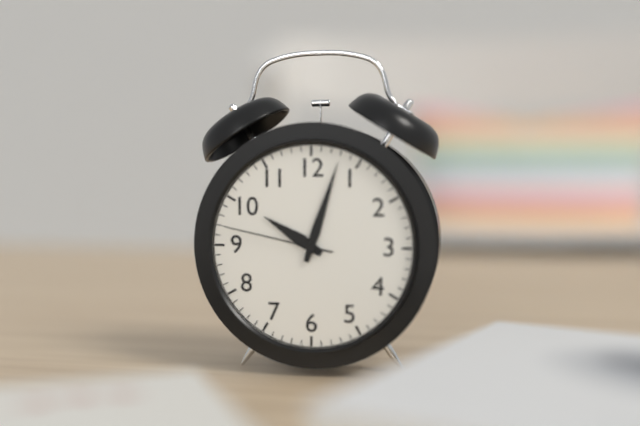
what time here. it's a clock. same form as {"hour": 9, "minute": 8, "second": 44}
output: {"hour": 10, "minute": 3, "second": 47}
